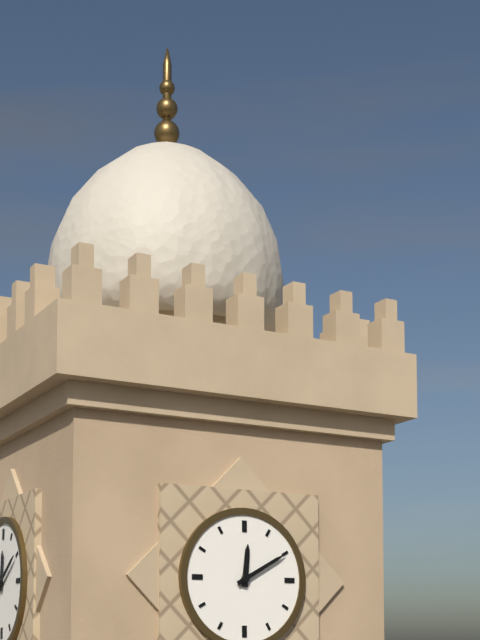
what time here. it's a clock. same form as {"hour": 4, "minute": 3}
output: {"hour": 12, "minute": 10}
